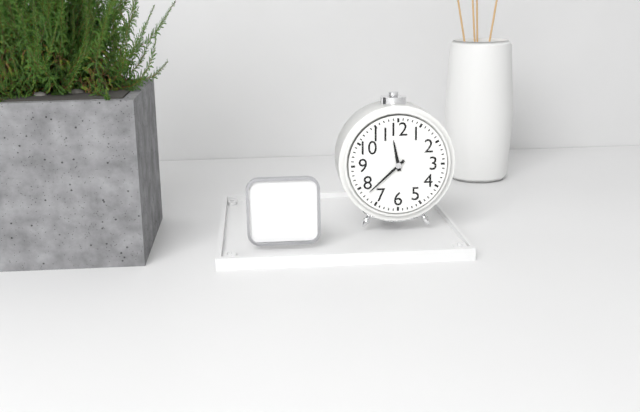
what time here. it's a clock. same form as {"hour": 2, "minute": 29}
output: {"hour": 11, "minute": 38}
